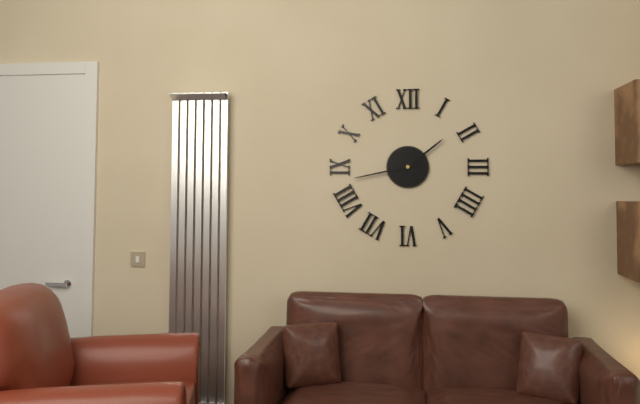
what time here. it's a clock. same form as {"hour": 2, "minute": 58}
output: {"hour": 1, "minute": 43}
